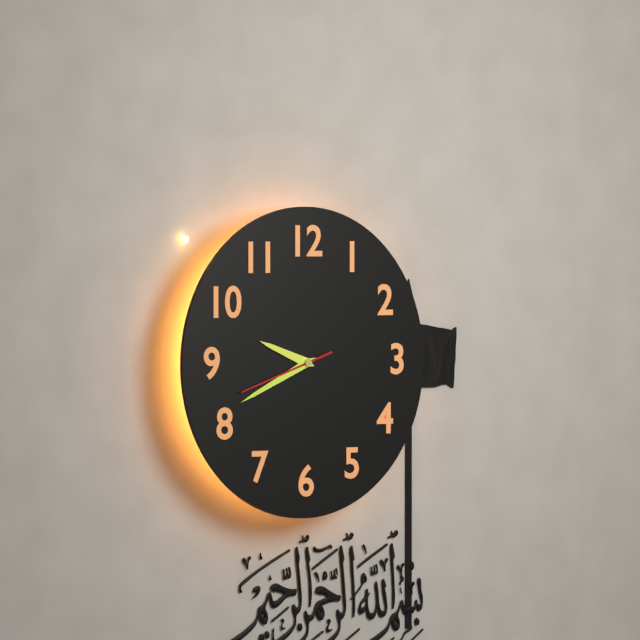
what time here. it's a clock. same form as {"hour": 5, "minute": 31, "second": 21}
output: {"hour": 9, "minute": 41, "second": 42}
